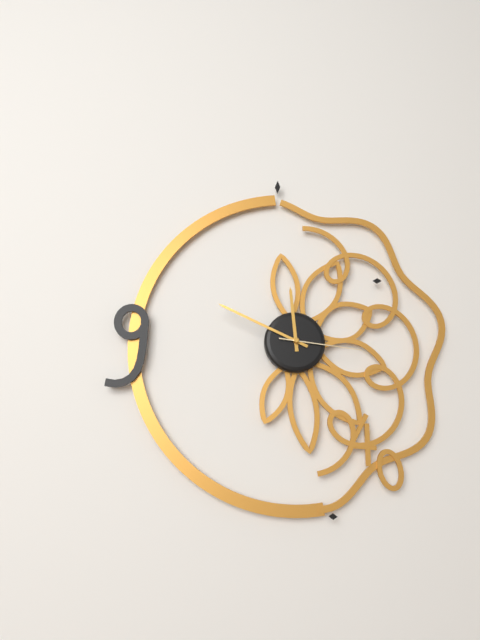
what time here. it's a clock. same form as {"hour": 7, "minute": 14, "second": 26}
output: {"hour": 11, "minute": 49, "second": 16}
